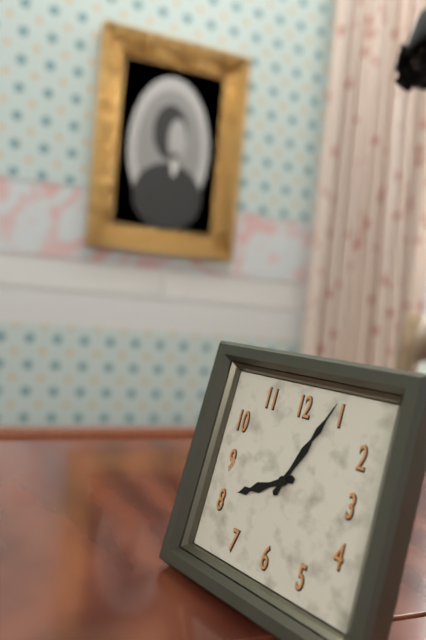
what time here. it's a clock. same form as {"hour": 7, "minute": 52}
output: {"hour": 8, "minute": 4}
